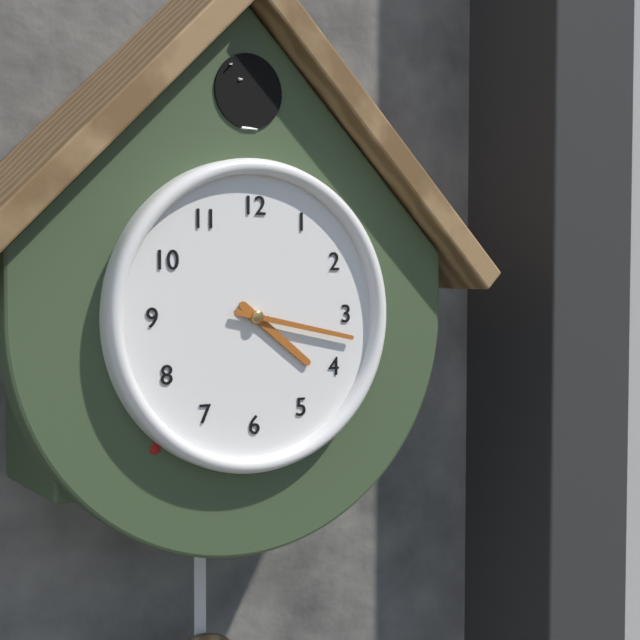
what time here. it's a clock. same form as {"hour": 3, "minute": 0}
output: {"hour": 4, "minute": 17}
